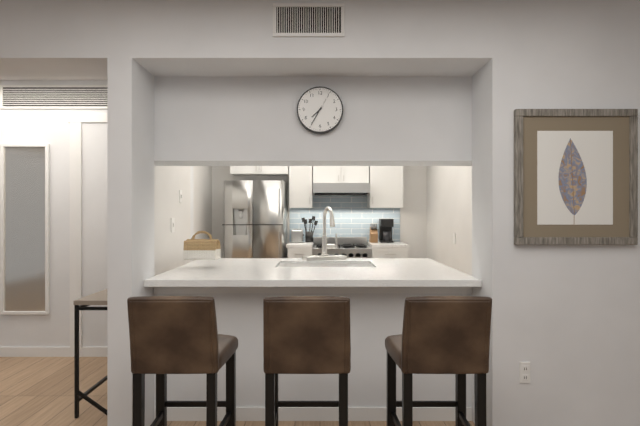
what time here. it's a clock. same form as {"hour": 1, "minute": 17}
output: {"hour": 7, "minute": 35}
